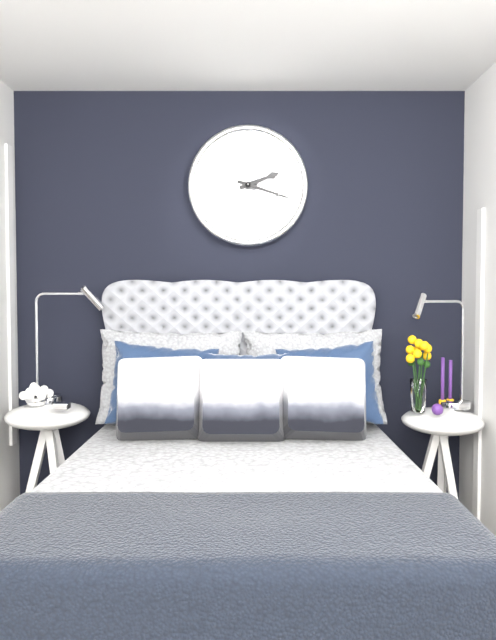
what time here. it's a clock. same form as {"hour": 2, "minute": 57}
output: {"hour": 2, "minute": 18}
